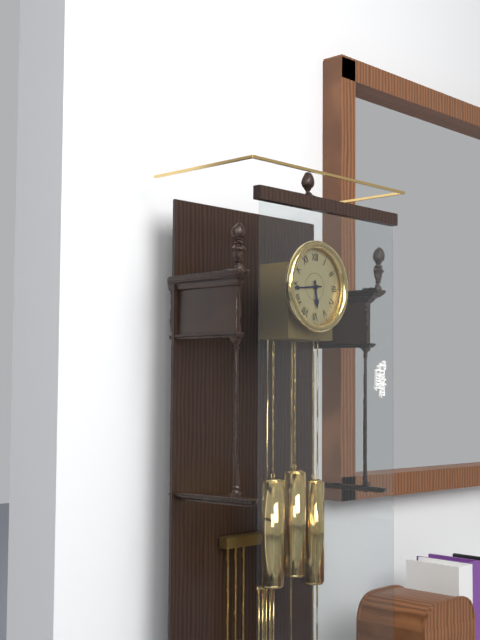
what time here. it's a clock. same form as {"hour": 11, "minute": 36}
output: {"hour": 5, "minute": 44}
